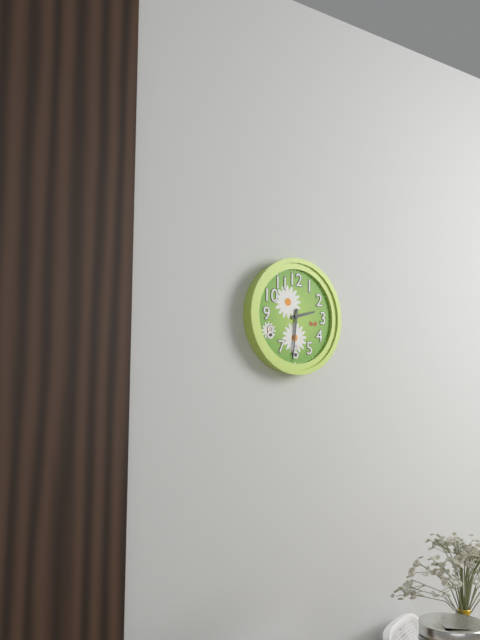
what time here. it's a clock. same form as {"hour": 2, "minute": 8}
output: {"hour": 2, "minute": 31}
